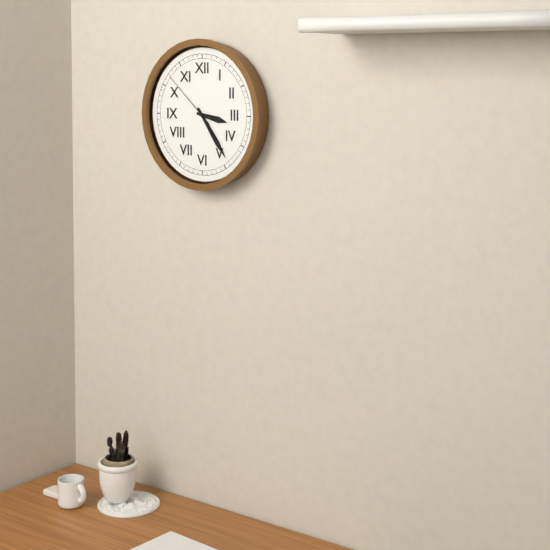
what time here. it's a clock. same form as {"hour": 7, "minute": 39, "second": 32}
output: {"hour": 3, "minute": 24, "second": 52}
